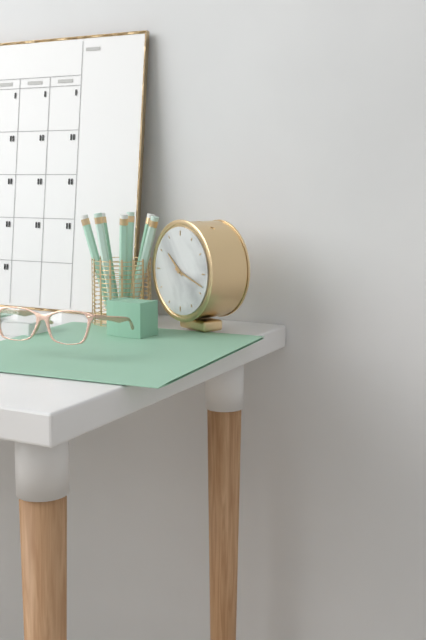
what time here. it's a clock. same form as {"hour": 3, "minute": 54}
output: {"hour": 10, "minute": 18}
